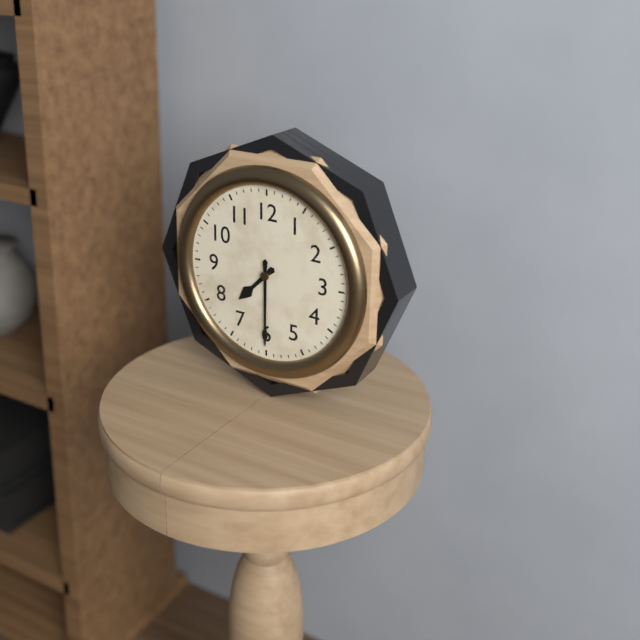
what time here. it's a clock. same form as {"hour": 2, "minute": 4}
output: {"hour": 7, "minute": 30}
